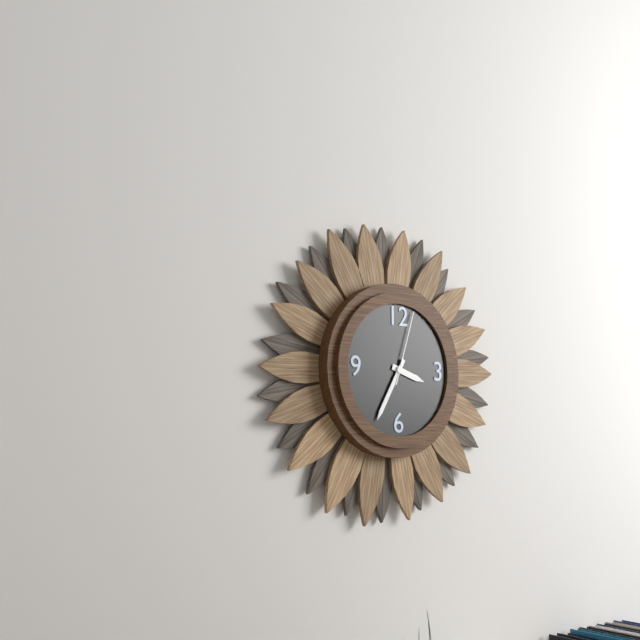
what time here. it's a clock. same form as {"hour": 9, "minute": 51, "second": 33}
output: {"hour": 3, "minute": 35, "second": 3}
